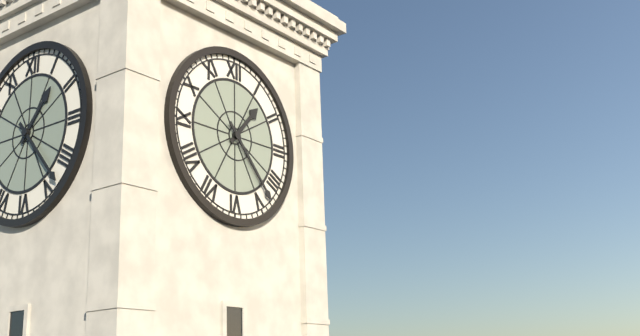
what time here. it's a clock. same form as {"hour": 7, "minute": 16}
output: {"hour": 1, "minute": 23}
